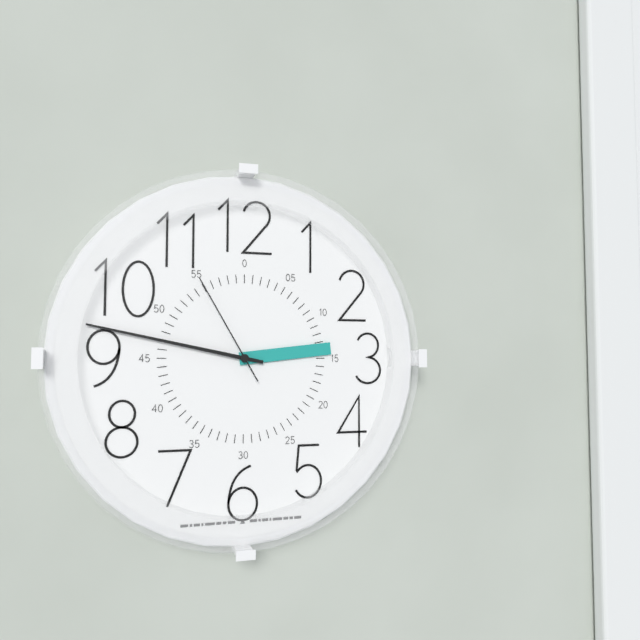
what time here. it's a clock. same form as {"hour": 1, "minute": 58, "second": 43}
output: {"hour": 2, "minute": 47, "second": 55}
